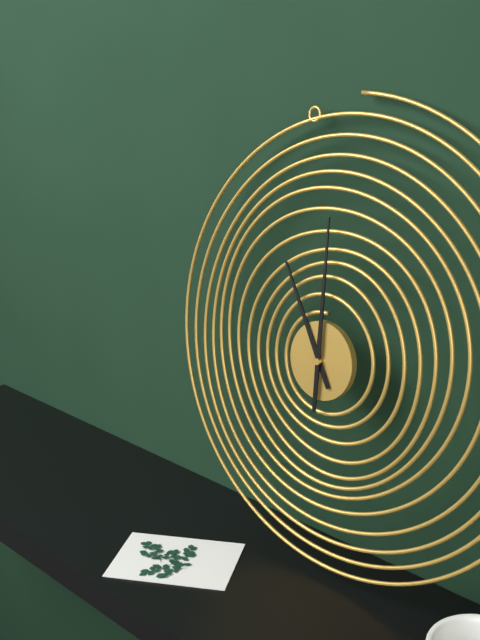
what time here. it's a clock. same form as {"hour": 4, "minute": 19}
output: {"hour": 11, "minute": 0}
